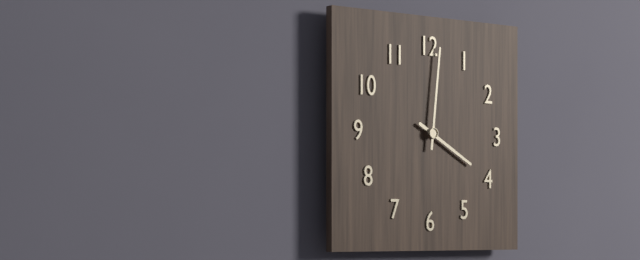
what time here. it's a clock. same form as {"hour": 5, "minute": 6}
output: {"hour": 4, "minute": 1}
